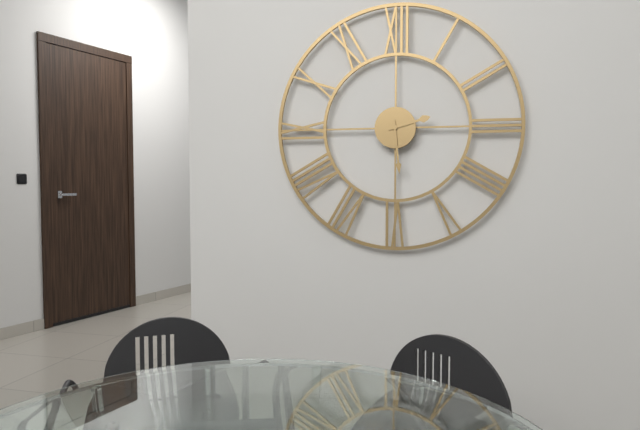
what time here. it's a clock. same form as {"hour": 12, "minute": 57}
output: {"hour": 2, "minute": 29}
